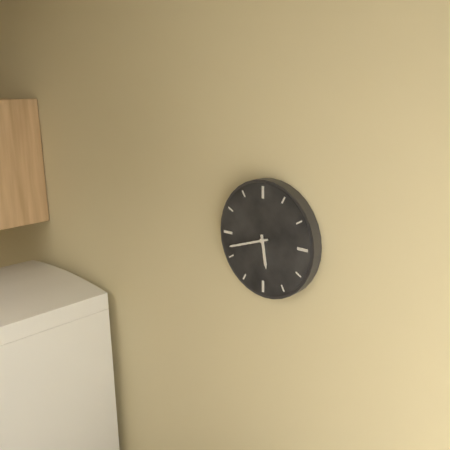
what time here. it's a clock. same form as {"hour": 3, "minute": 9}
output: {"hour": 5, "minute": 42}
